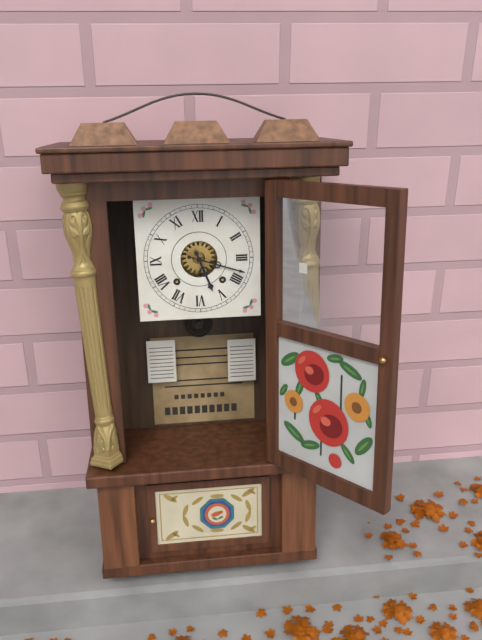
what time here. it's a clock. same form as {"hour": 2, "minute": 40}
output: {"hour": 5, "minute": 18}
